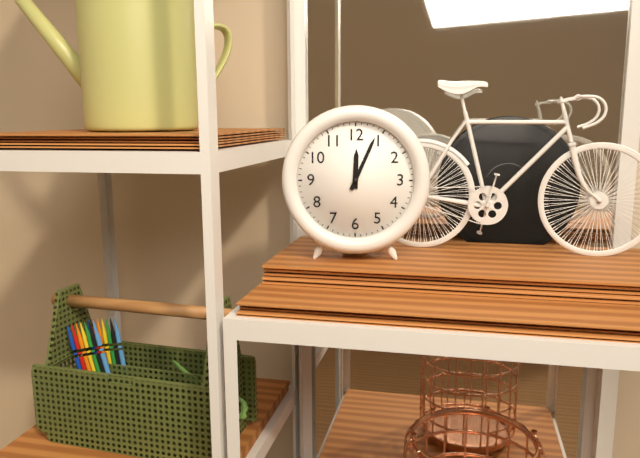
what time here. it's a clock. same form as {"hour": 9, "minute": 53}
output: {"hour": 12, "minute": 4}
